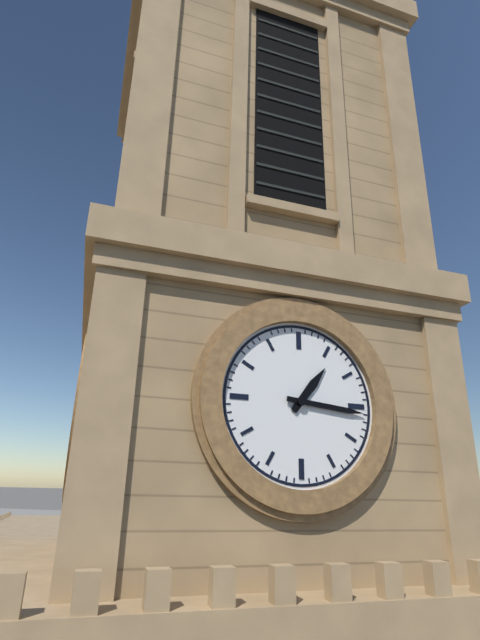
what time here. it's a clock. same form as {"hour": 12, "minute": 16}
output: {"hour": 1, "minute": 16}
